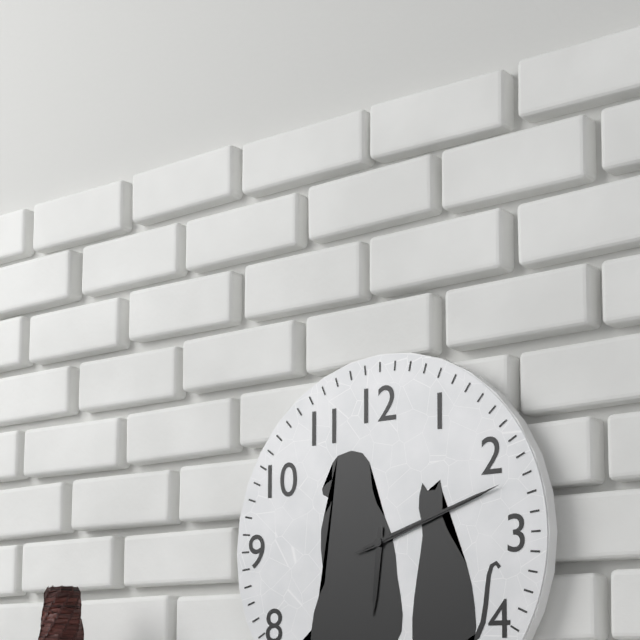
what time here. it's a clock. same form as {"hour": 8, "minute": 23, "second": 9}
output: {"hour": 6, "minute": 12, "second": 12}
